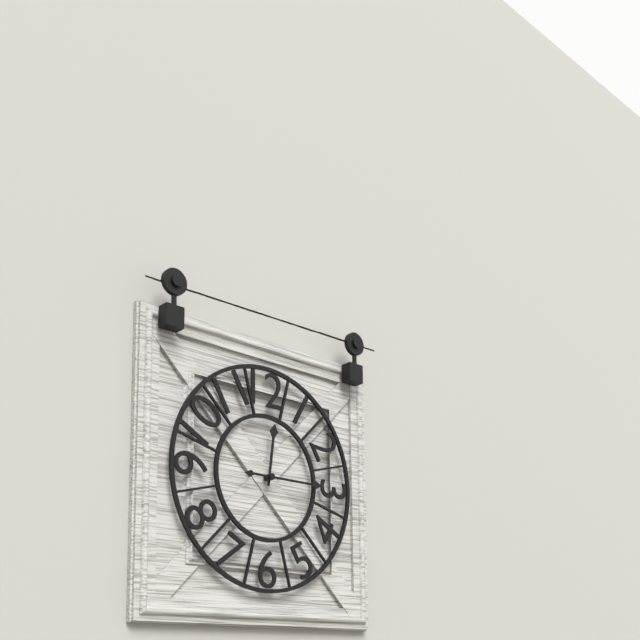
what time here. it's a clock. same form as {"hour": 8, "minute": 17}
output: {"hour": 12, "minute": 15}
